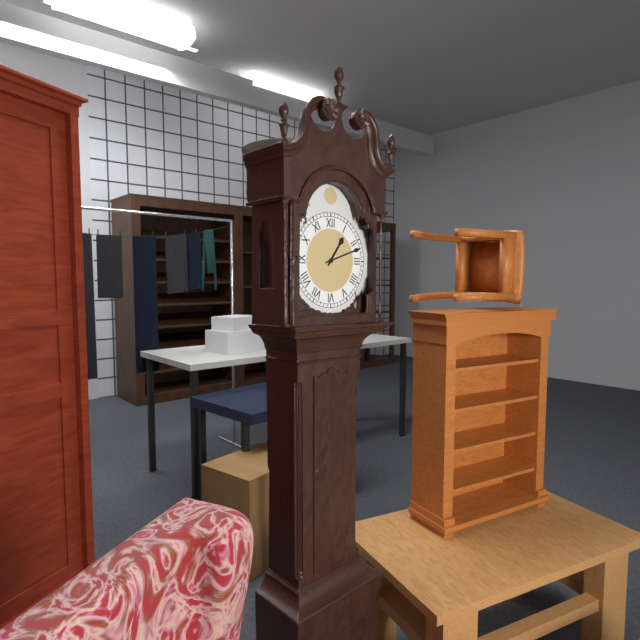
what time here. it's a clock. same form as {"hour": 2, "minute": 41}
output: {"hour": 1, "minute": 12}
